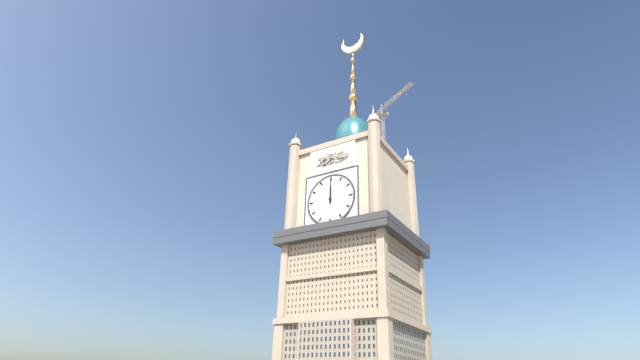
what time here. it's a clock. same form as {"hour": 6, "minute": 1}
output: {"hour": 12, "minute": 0}
